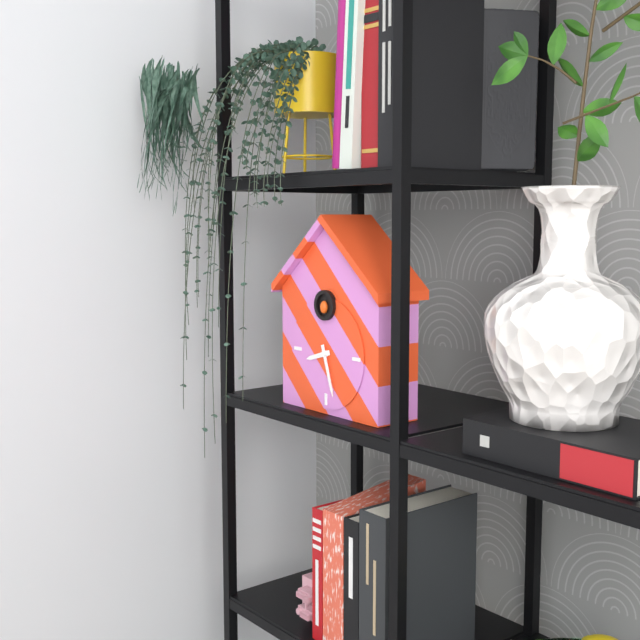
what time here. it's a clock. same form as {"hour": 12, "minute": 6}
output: {"hour": 8, "minute": 27}
